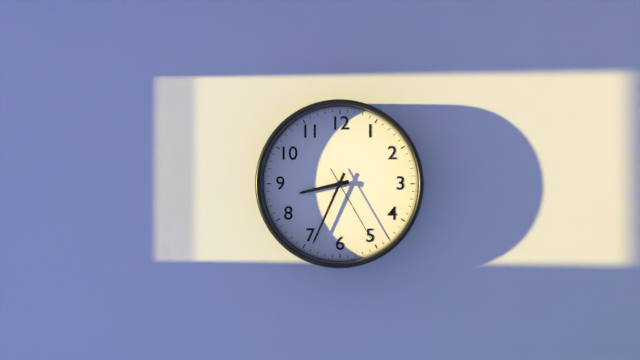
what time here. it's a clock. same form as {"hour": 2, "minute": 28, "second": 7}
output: {"hour": 8, "minute": 34, "second": 25}
